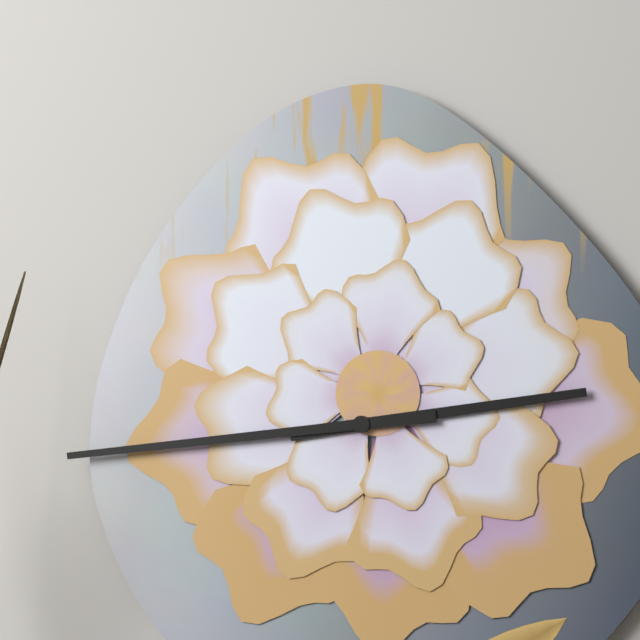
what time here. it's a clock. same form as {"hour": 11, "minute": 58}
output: {"hour": 2, "minute": 44}
